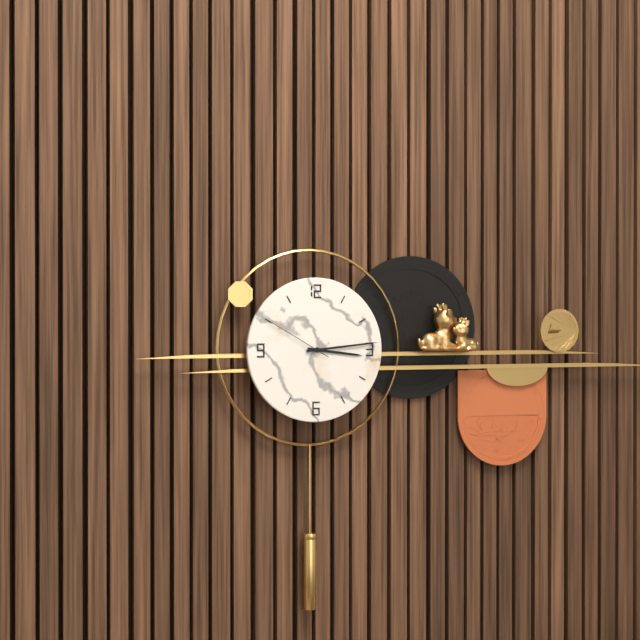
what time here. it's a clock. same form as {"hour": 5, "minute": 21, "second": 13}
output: {"hour": 3, "minute": 14, "second": 50}
